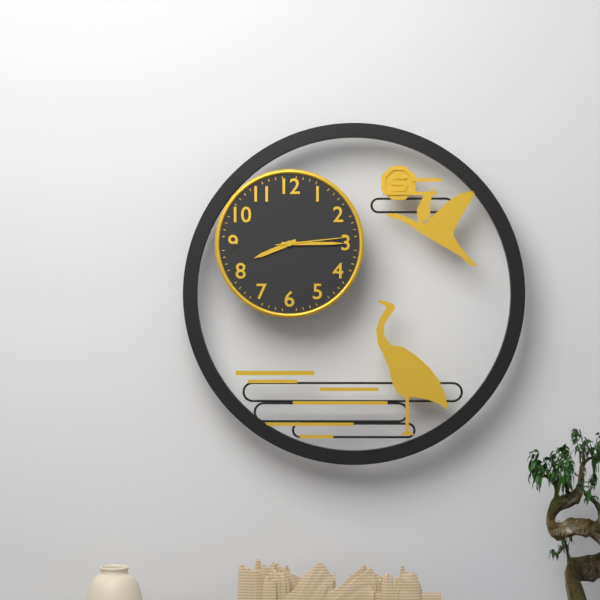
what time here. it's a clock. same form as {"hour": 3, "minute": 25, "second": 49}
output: {"hour": 8, "minute": 15, "second": 14}
